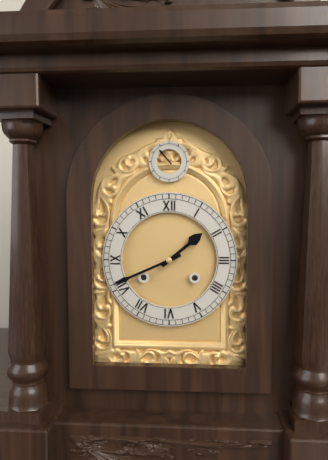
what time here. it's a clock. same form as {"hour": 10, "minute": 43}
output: {"hour": 1, "minute": 41}
